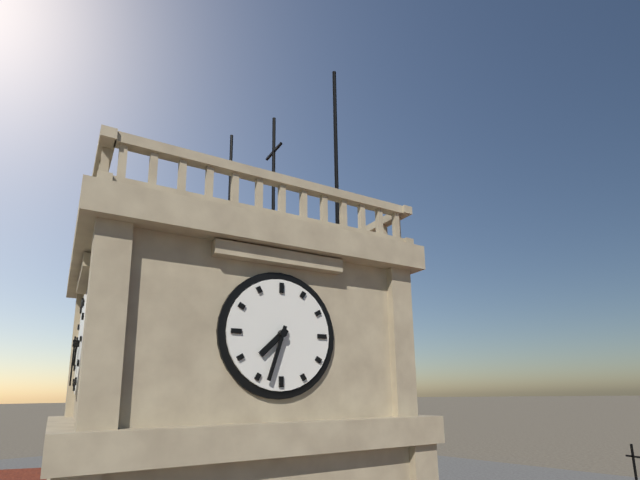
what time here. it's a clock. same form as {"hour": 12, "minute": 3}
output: {"hour": 7, "minute": 33}
